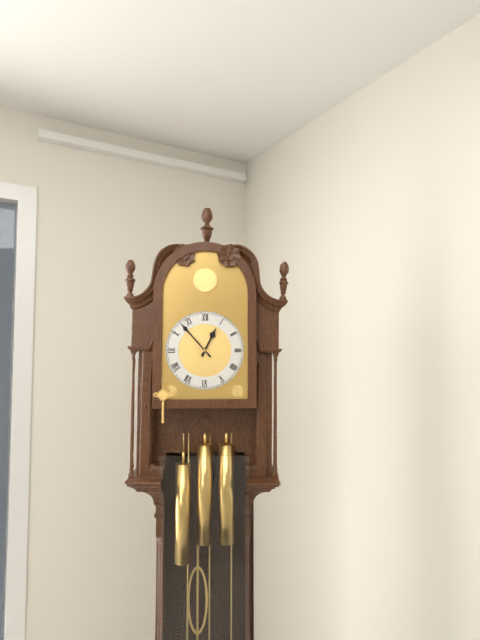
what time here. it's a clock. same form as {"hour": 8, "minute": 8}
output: {"hour": 12, "minute": 53}
